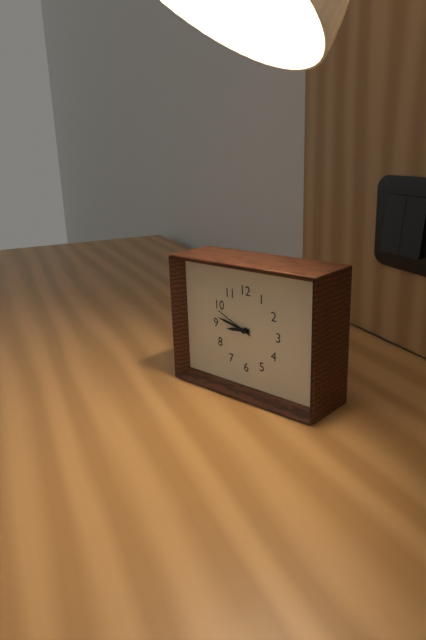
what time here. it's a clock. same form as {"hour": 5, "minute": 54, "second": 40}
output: {"hour": 8, "minute": 47, "second": 49}
